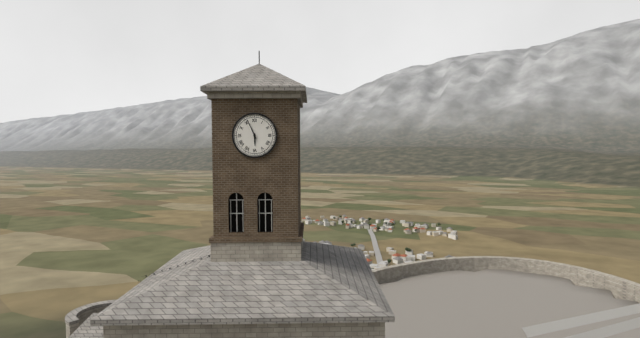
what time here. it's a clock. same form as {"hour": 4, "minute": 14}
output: {"hour": 5, "minute": 56}
